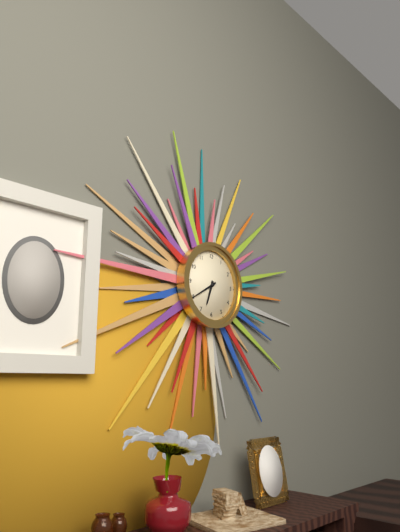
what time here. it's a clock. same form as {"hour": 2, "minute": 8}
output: {"hour": 6, "minute": 40}
